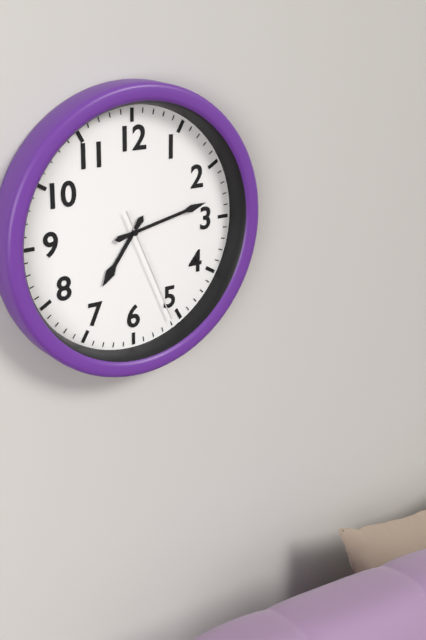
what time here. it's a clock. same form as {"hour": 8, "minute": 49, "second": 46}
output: {"hour": 7, "minute": 13, "second": 26}
